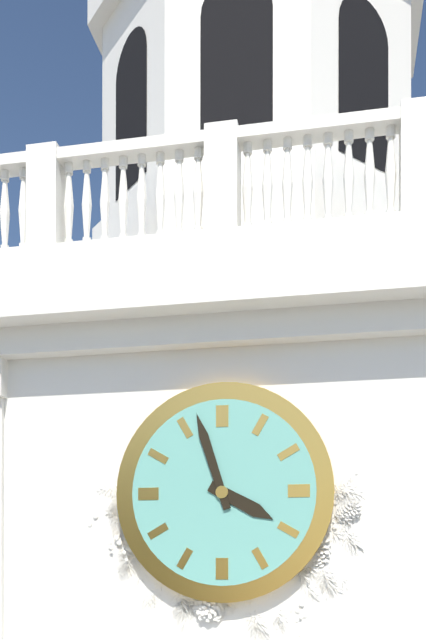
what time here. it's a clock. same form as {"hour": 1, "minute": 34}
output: {"hour": 3, "minute": 57}
